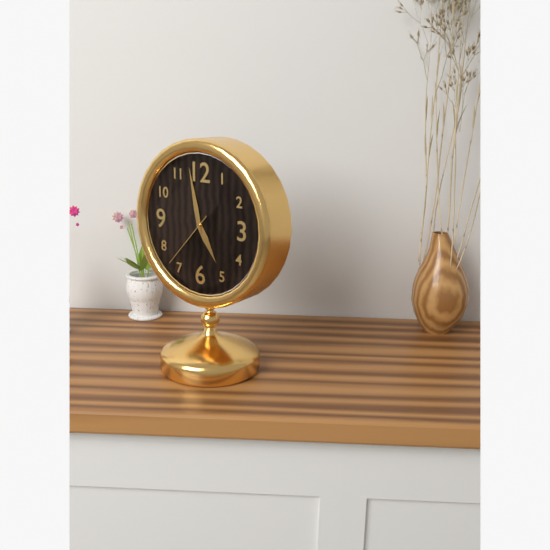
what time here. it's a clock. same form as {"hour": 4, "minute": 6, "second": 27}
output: {"hour": 4, "minute": 58, "second": 37}
